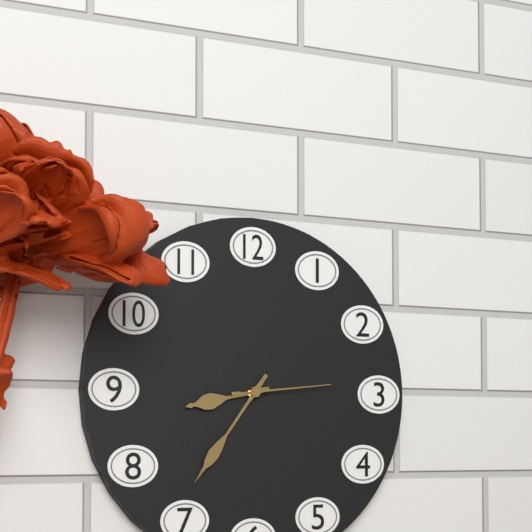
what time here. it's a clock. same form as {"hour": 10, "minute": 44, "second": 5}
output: {"hour": 8, "minute": 36, "second": 14}
